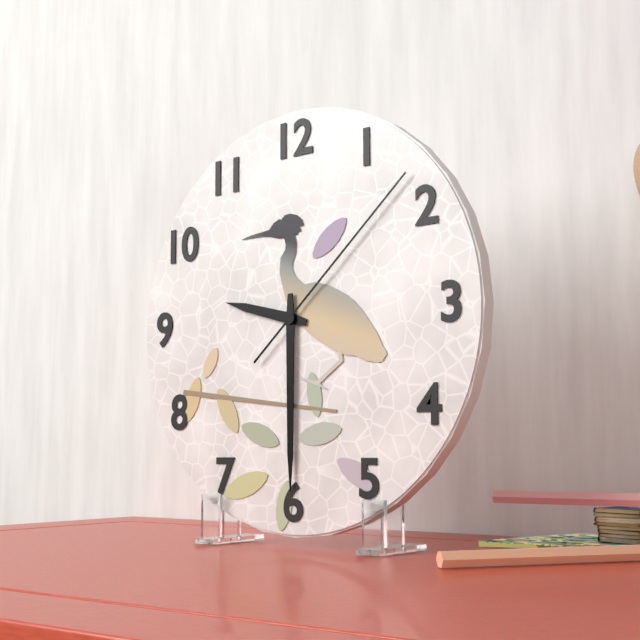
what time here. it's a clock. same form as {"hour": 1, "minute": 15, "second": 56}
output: {"hour": 9, "minute": 30, "second": 8}
